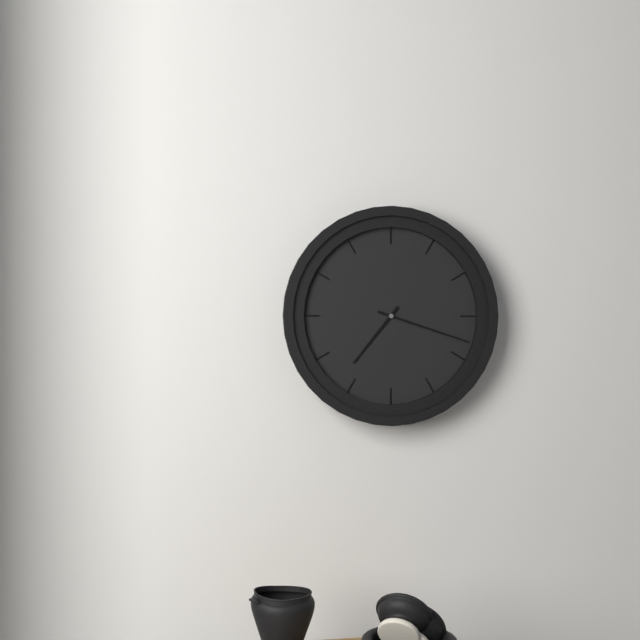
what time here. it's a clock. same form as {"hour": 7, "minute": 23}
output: {"hour": 7, "minute": 18}
